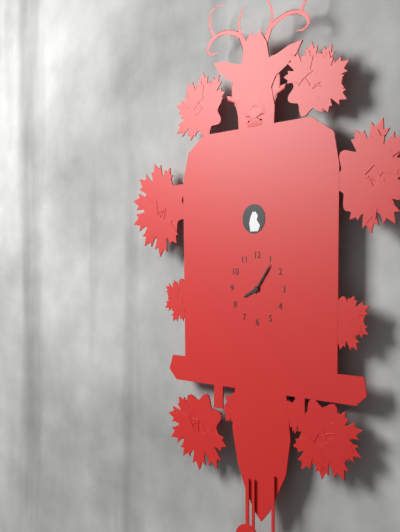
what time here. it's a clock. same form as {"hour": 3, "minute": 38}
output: {"hour": 8, "minute": 6}
